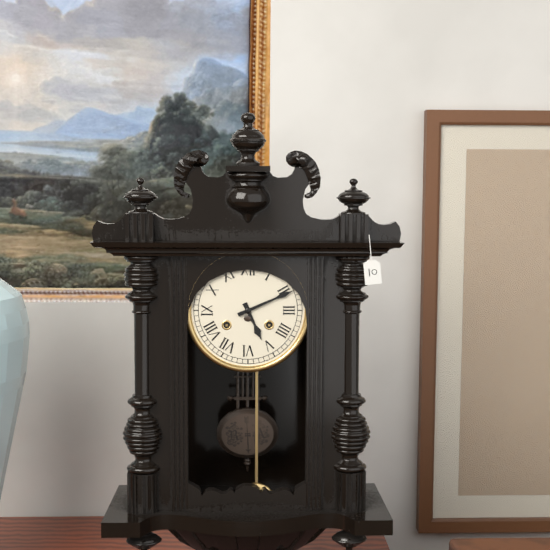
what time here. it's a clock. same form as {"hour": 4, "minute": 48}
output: {"hour": 5, "minute": 11}
